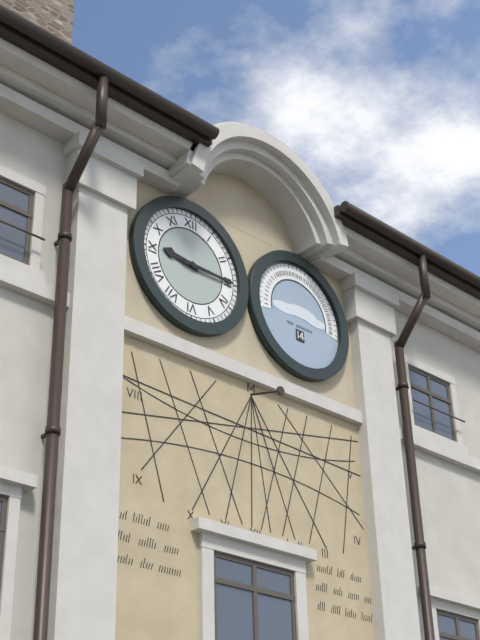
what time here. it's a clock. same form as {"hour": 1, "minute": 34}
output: {"hour": 9, "minute": 15}
